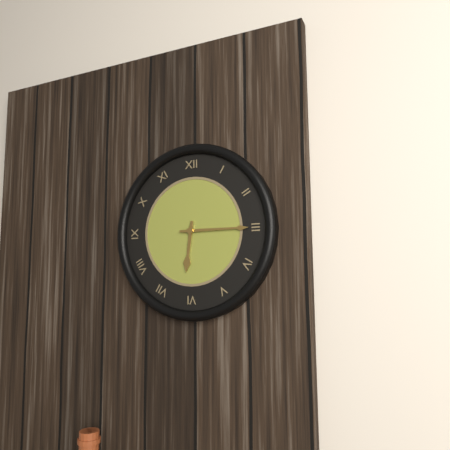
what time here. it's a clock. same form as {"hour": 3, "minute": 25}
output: {"hour": 6, "minute": 15}
